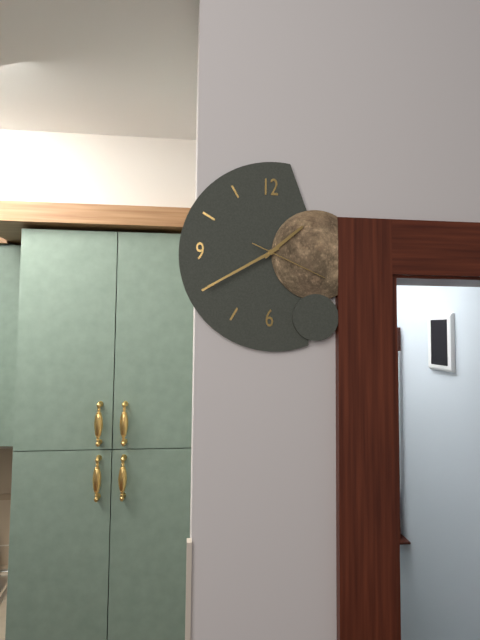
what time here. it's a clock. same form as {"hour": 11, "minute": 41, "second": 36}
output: {"hour": 1, "minute": 40, "second": 19}
